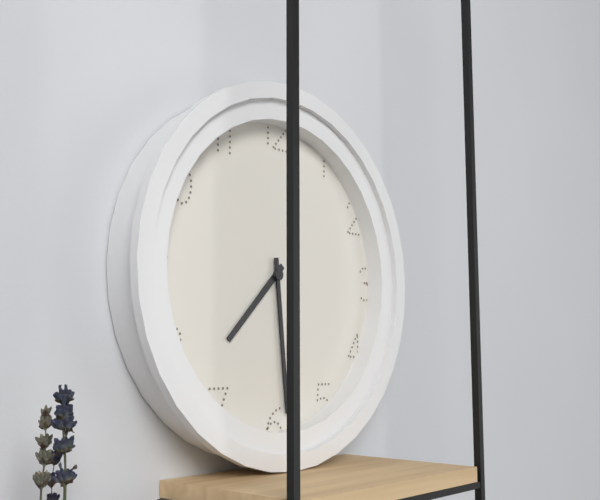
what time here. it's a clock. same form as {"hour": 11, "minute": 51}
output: {"hour": 7, "minute": 29}
